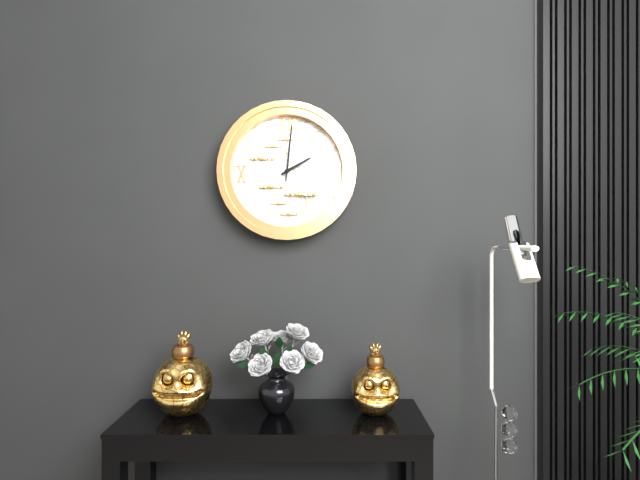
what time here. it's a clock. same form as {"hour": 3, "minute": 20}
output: {"hour": 2, "minute": 1}
